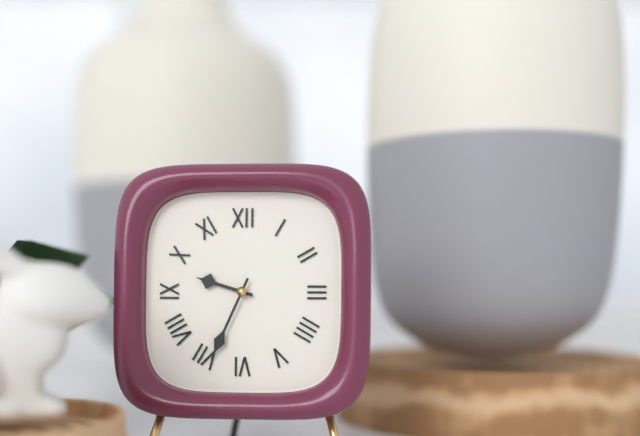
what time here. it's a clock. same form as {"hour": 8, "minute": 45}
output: {"hour": 9, "minute": 34}
